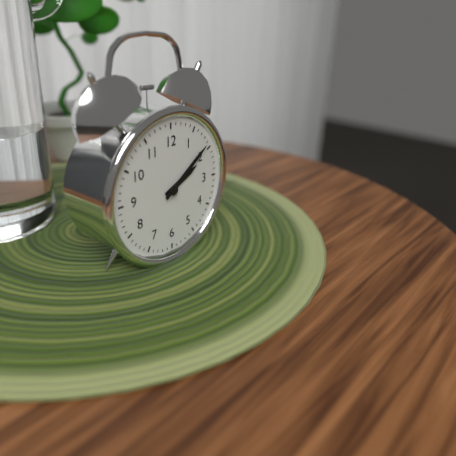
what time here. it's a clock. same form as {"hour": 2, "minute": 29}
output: {"hour": 2, "minute": 9}
